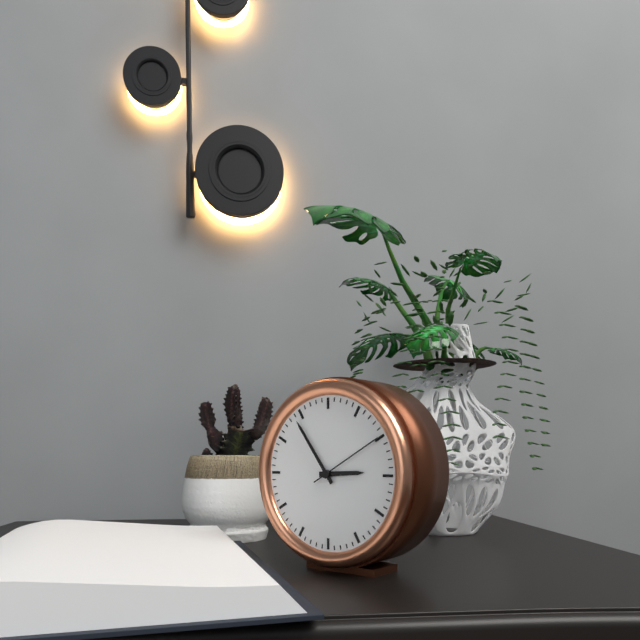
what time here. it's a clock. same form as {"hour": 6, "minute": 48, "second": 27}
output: {"hour": 2, "minute": 54, "second": 10}
